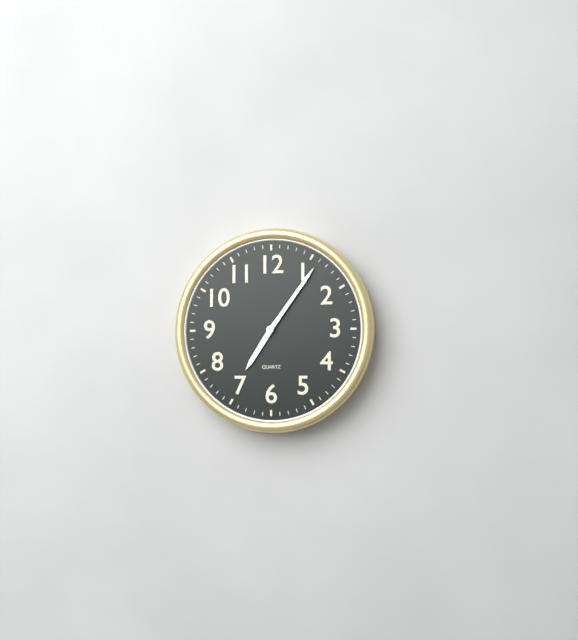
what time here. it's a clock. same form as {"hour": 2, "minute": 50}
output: {"hour": 7, "minute": 6}
